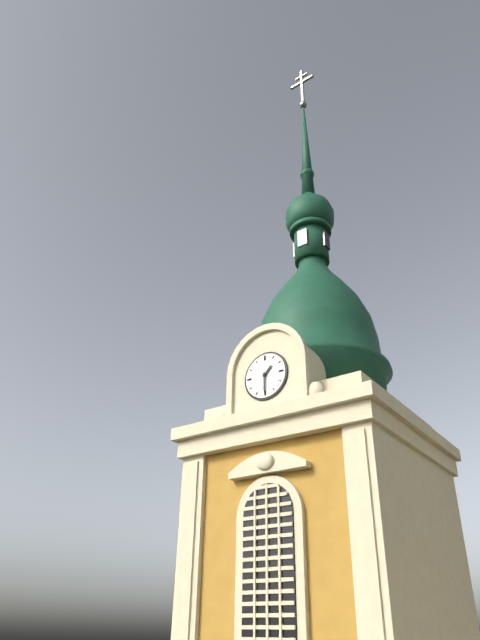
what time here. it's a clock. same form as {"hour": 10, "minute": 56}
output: {"hour": 1, "minute": 30}
